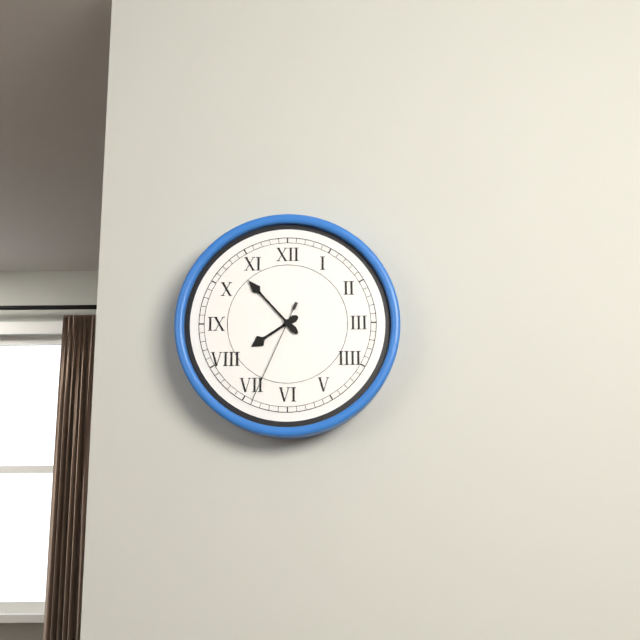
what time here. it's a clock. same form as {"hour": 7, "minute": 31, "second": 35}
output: {"hour": 7, "minute": 53, "second": 34}
